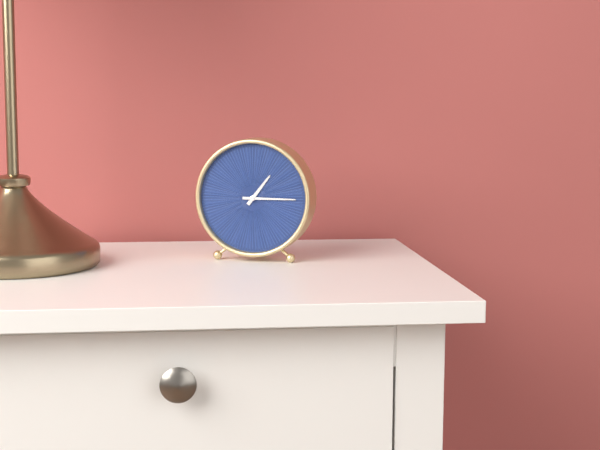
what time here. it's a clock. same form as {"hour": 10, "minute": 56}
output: {"hour": 1, "minute": 15}
